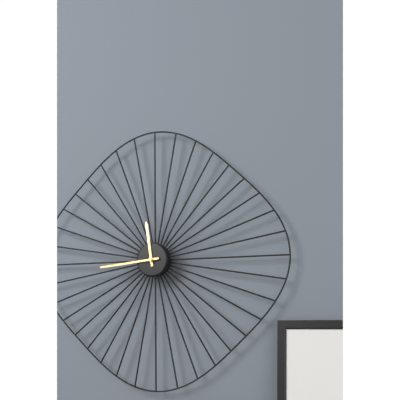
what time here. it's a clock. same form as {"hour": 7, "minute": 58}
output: {"hour": 11, "minute": 44}
